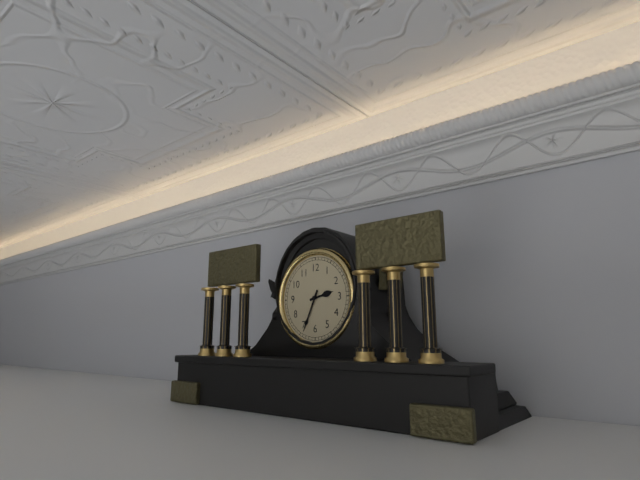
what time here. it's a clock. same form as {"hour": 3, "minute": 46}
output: {"hour": 2, "minute": 34}
